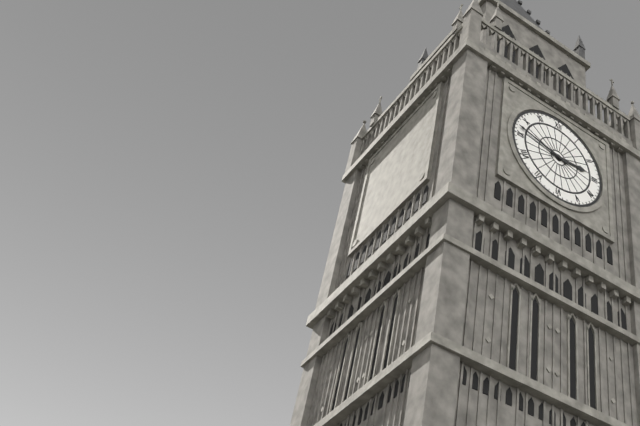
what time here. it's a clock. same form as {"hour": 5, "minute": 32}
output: {"hour": 2, "minute": 47}
